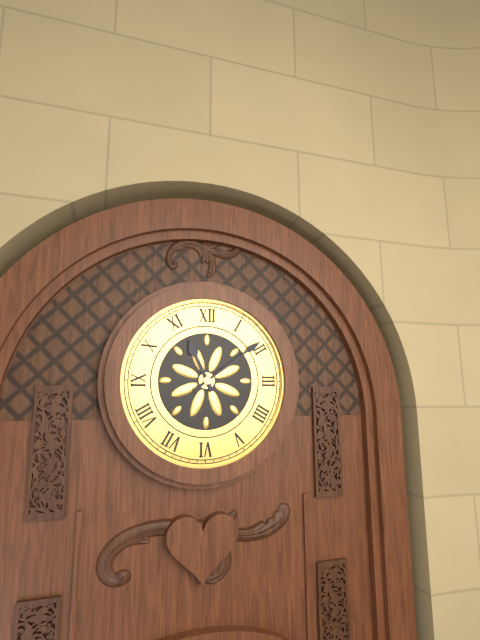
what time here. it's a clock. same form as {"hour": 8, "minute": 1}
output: {"hour": 11, "minute": 9}
